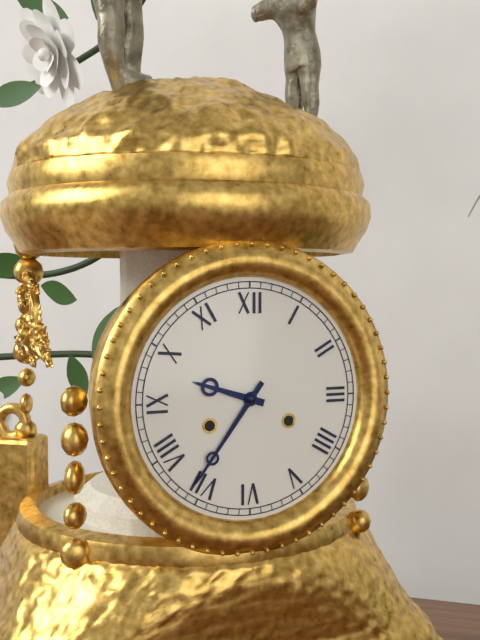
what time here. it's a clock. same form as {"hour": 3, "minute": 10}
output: {"hour": 9, "minute": 36}
